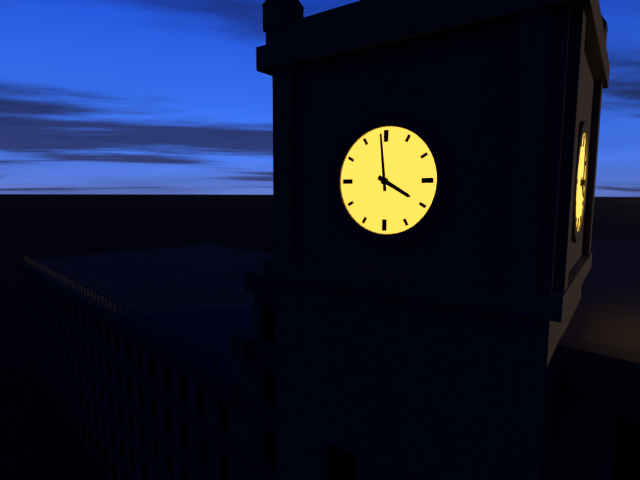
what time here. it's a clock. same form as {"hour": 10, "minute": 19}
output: {"hour": 3, "minute": 59}
